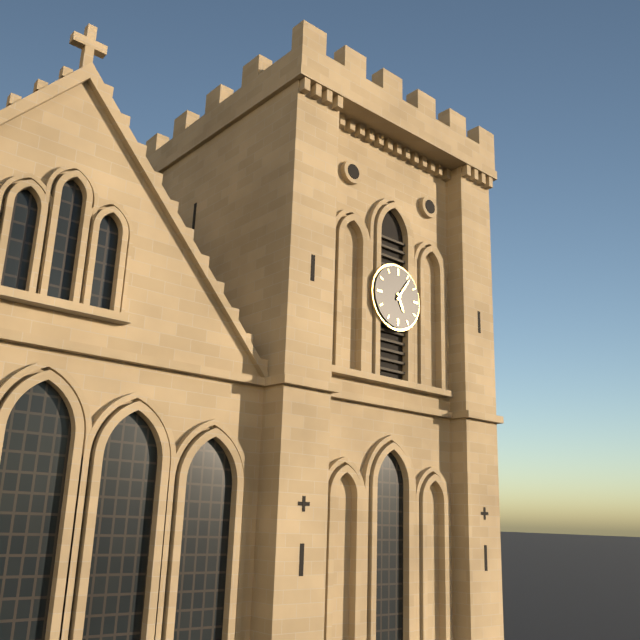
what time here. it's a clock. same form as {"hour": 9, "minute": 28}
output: {"hour": 5, "minute": 6}
